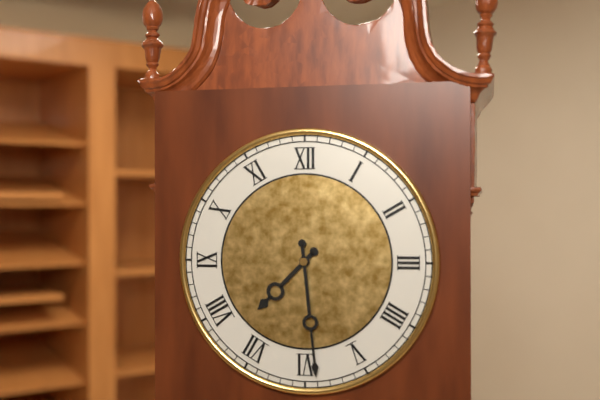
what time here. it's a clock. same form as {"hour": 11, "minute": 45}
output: {"hour": 7, "minute": 29}
